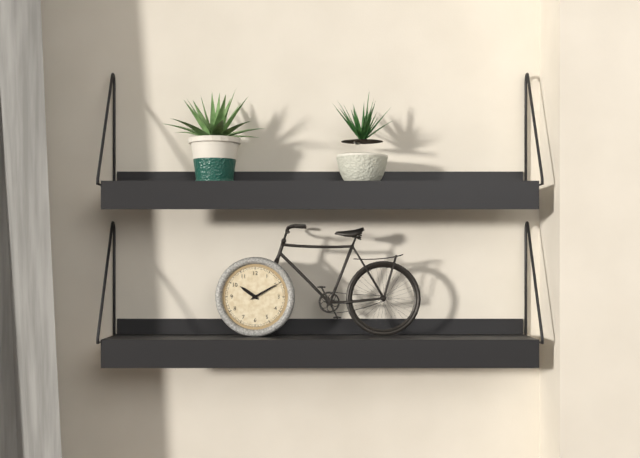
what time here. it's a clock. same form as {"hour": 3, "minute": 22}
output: {"hour": 10, "minute": 10}
